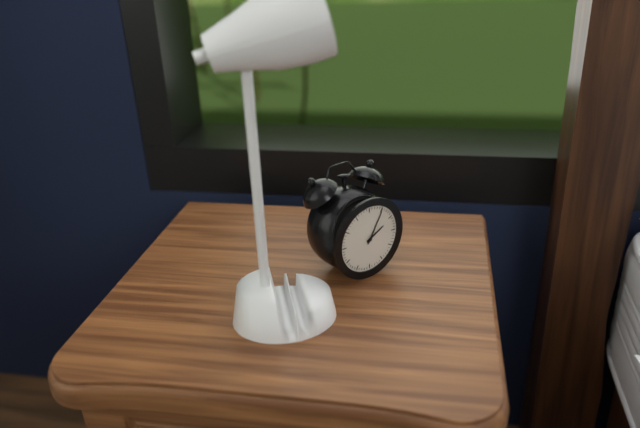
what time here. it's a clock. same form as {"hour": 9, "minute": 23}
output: {"hour": 2, "minute": 5}
